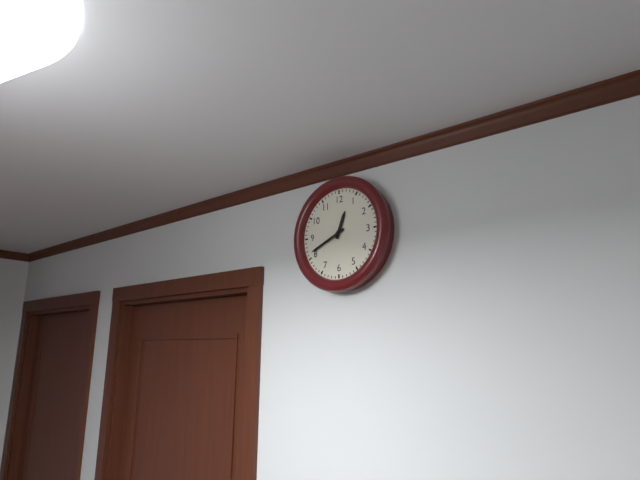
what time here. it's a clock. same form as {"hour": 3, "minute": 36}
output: {"hour": 12, "minute": 41}
